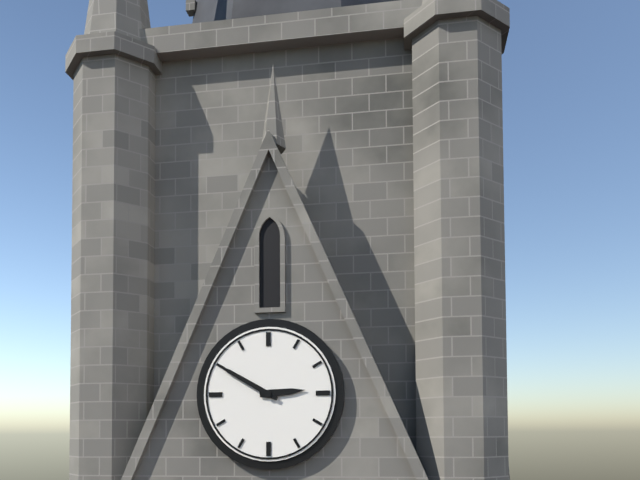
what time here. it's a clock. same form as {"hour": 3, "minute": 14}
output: {"hour": 2, "minute": 50}
